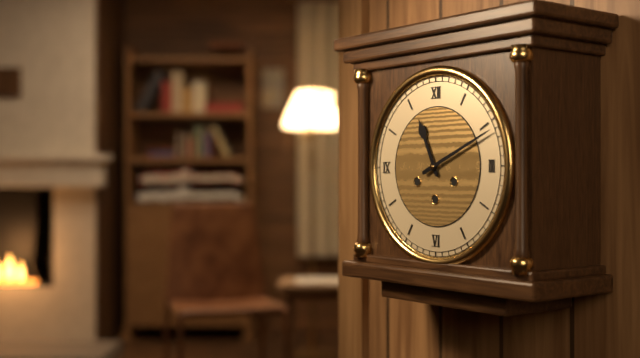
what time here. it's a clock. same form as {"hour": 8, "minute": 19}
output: {"hour": 11, "minute": 11}
